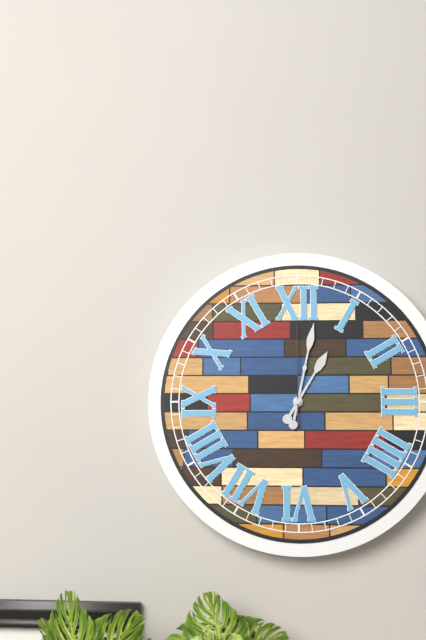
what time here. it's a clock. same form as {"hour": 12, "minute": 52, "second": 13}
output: {"hour": 1, "minute": 2, "second": 0}
